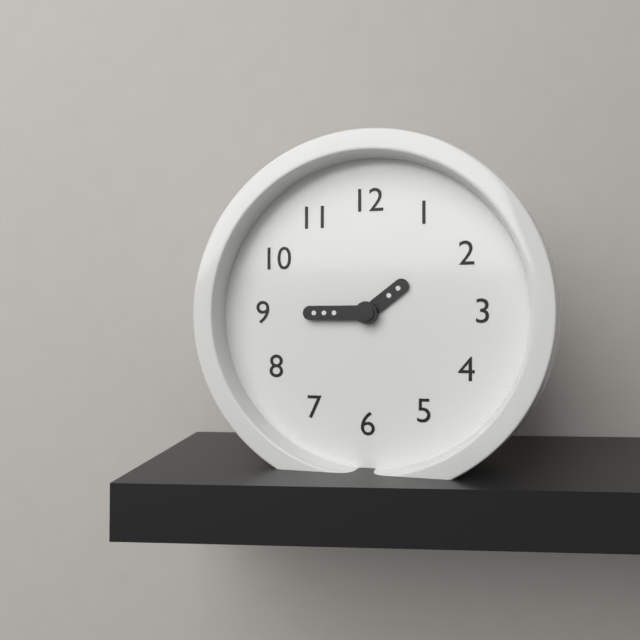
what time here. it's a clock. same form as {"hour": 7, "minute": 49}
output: {"hour": 1, "minute": 45}
